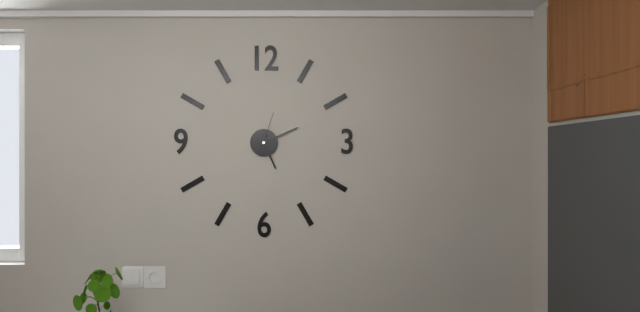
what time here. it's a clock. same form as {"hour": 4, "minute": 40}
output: {"hour": 5, "minute": 11}
